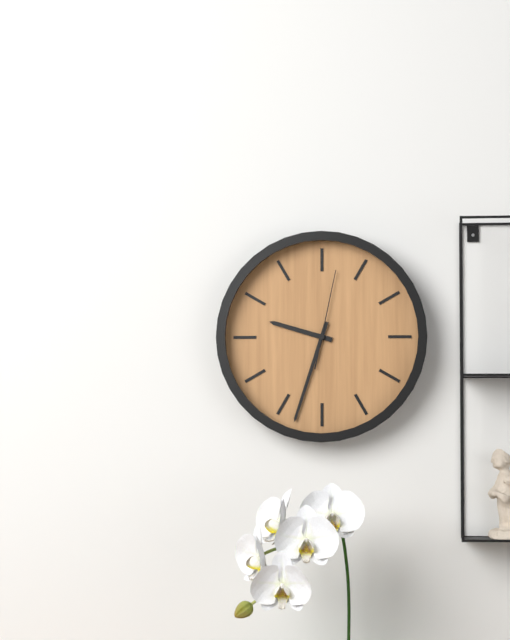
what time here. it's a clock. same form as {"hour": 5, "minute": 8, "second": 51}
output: {"hour": 9, "minute": 33, "second": 2}
